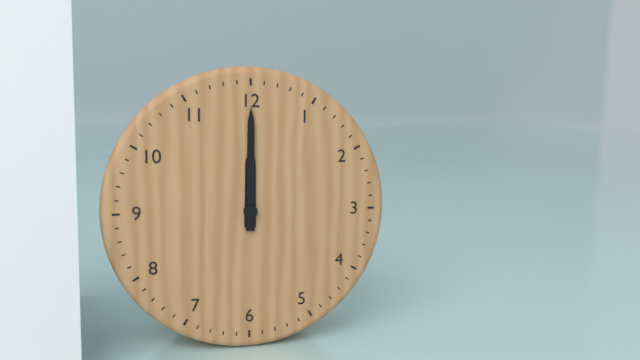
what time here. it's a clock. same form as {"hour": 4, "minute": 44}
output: {"hour": 12, "minute": 0}
